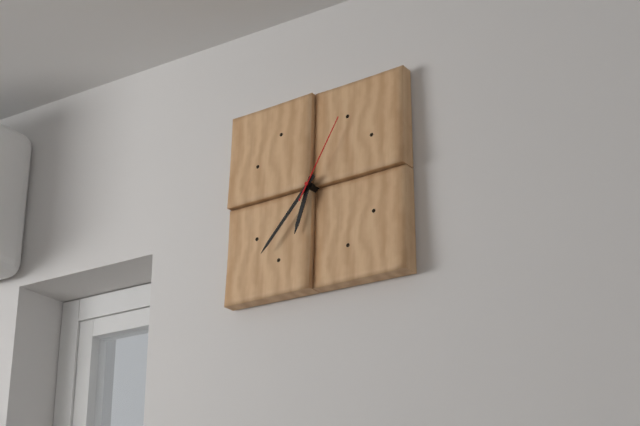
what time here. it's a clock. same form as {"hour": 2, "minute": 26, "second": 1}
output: {"hour": 6, "minute": 37, "second": 5}
